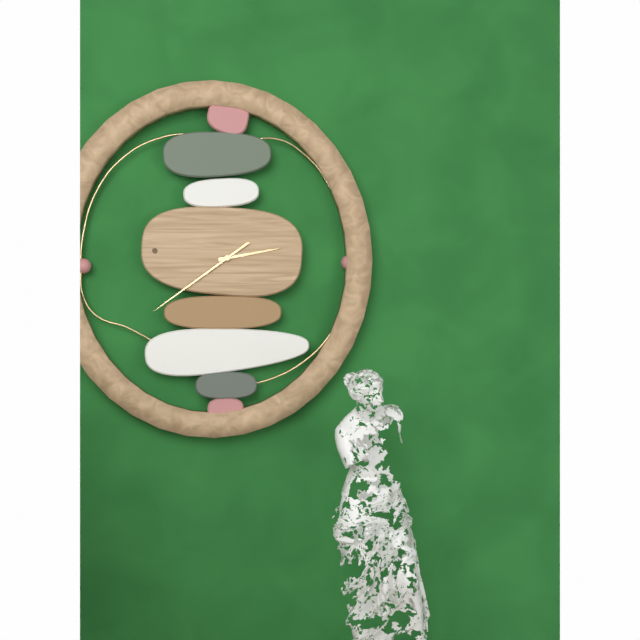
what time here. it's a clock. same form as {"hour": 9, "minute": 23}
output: {"hour": 2, "minute": 39}
